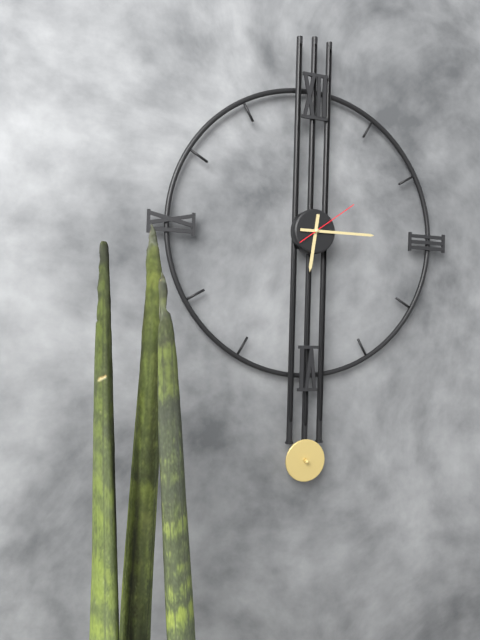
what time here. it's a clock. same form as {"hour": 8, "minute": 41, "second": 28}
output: {"hour": 6, "minute": 15, "second": 9}
